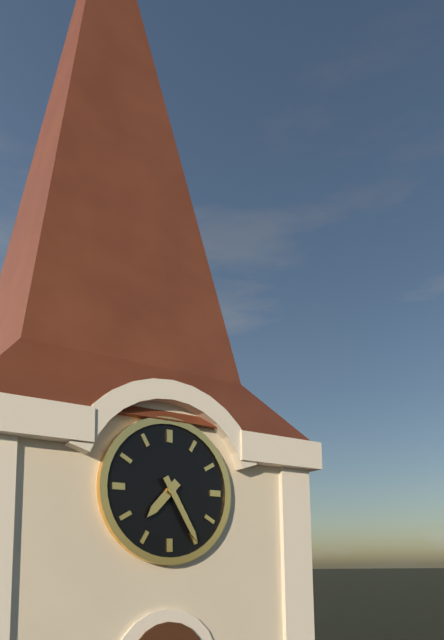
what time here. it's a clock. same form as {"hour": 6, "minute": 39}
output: {"hour": 7, "minute": 25}
